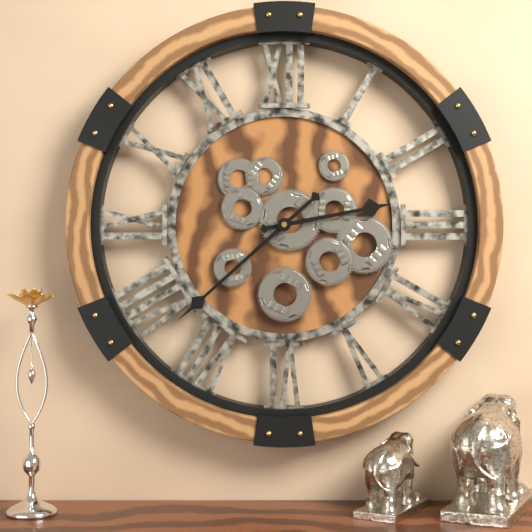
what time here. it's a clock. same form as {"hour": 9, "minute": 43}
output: {"hour": 2, "minute": 38}
